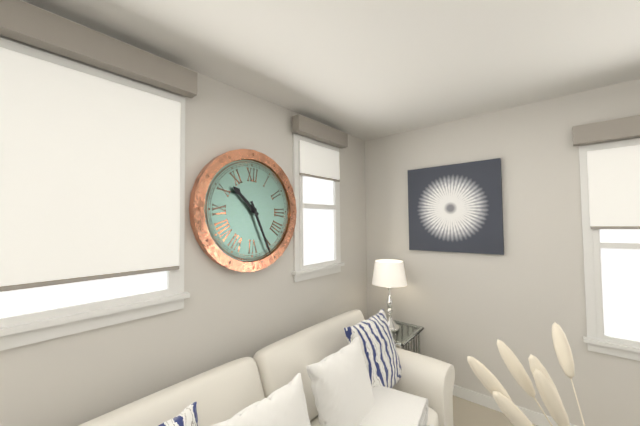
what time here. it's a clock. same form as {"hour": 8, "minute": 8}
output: {"hour": 10, "minute": 26}
